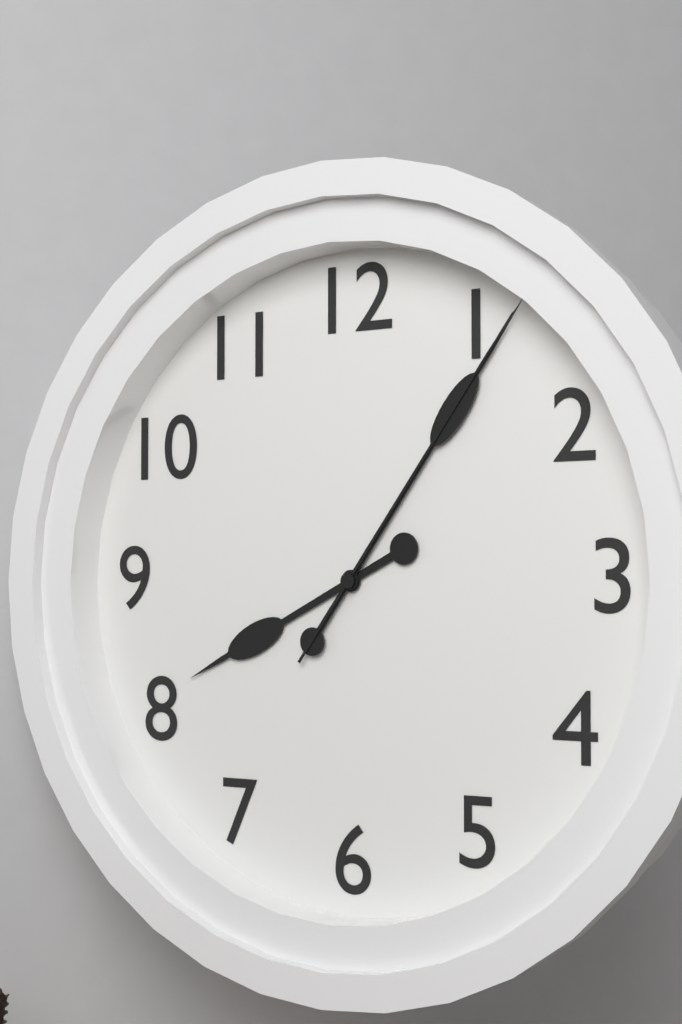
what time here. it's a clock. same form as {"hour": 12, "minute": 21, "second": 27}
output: {"hour": 8, "minute": 6, "second": 6}
